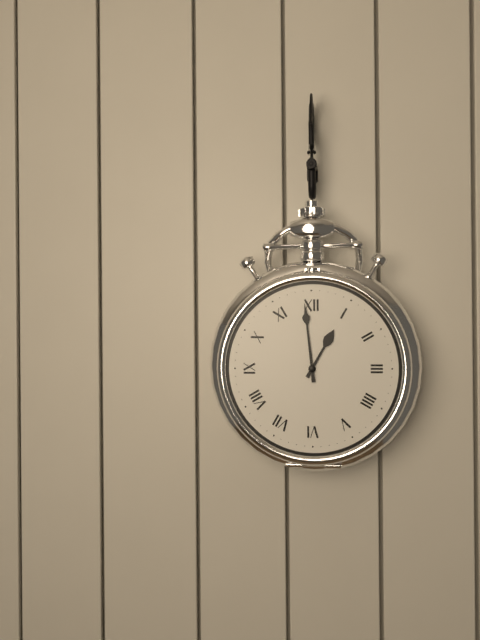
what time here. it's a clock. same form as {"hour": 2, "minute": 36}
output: {"hour": 12, "minute": 59}
